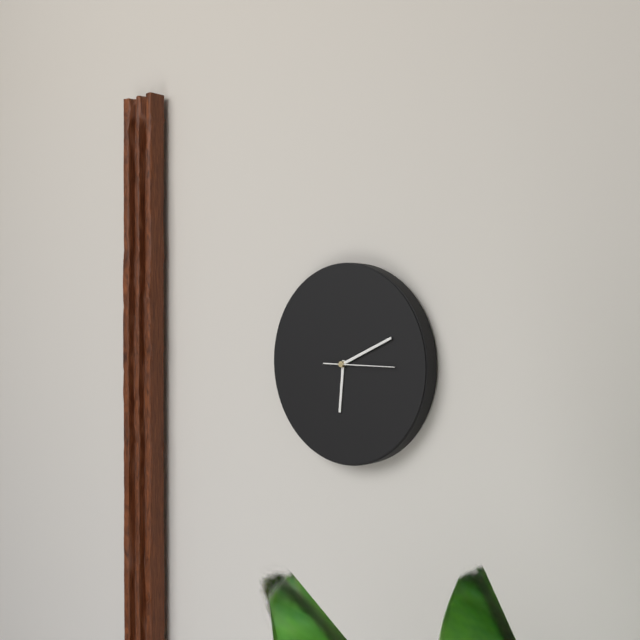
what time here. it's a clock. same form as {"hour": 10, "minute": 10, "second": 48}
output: {"hour": 6, "minute": 11, "second": 15}
